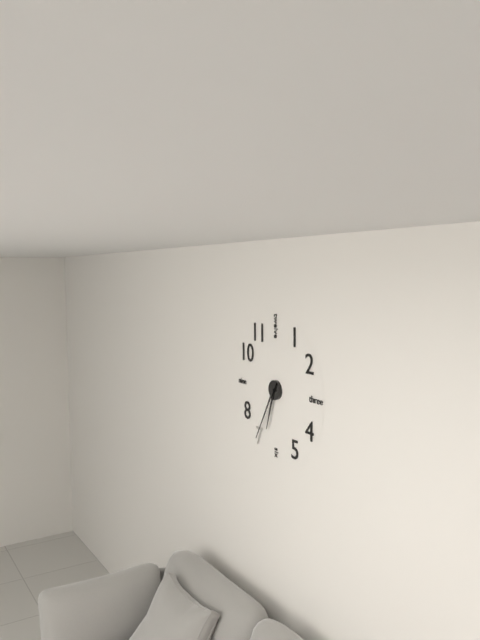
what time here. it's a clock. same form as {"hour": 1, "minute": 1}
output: {"hour": 6, "minute": 35}
